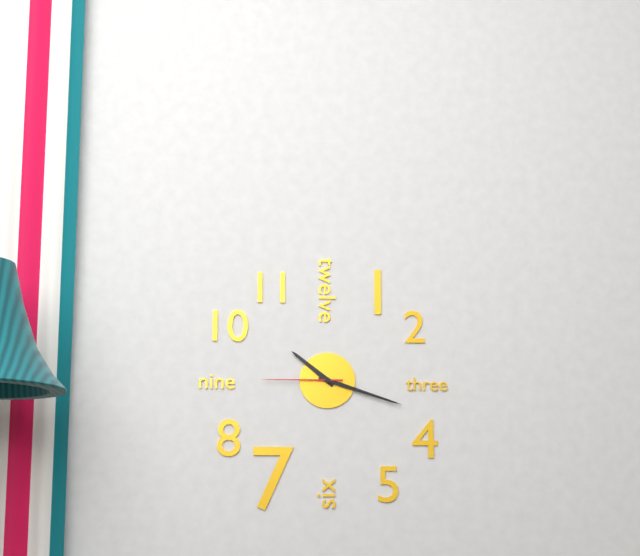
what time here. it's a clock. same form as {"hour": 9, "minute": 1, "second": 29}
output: {"hour": 10, "minute": 18, "second": 45}
